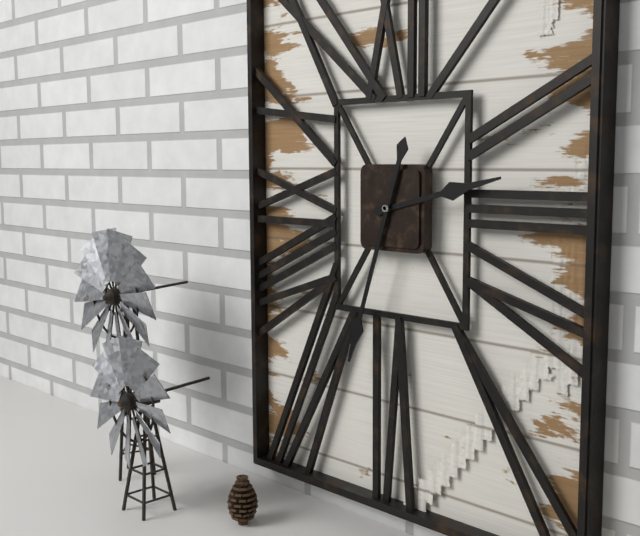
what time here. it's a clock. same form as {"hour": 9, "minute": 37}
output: {"hour": 2, "minute": 33}
